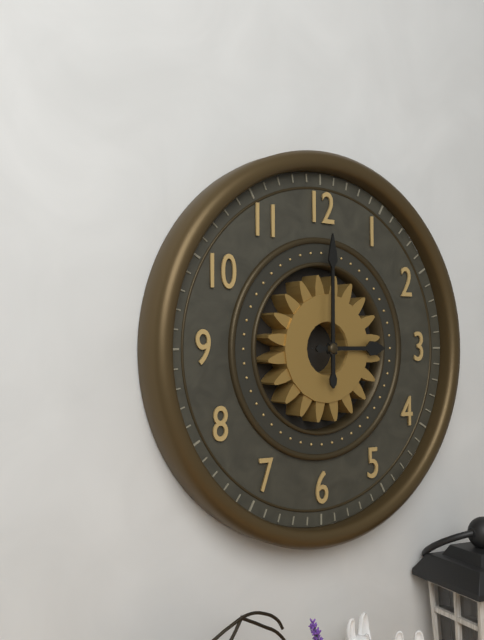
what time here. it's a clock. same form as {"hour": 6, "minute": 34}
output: {"hour": 3, "minute": 0}
